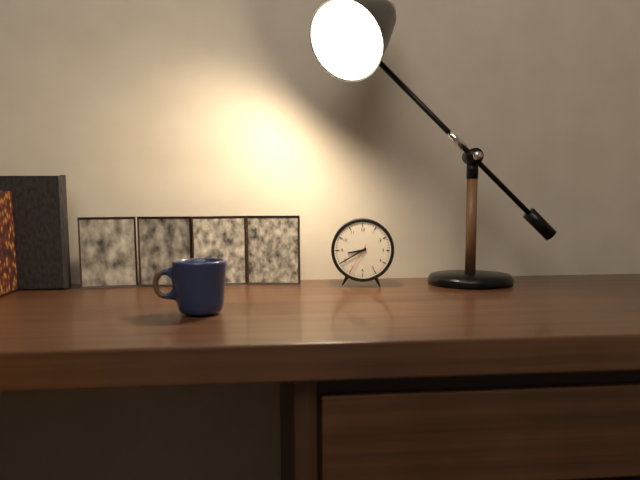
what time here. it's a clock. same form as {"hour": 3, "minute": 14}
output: {"hour": 8, "minute": 40}
